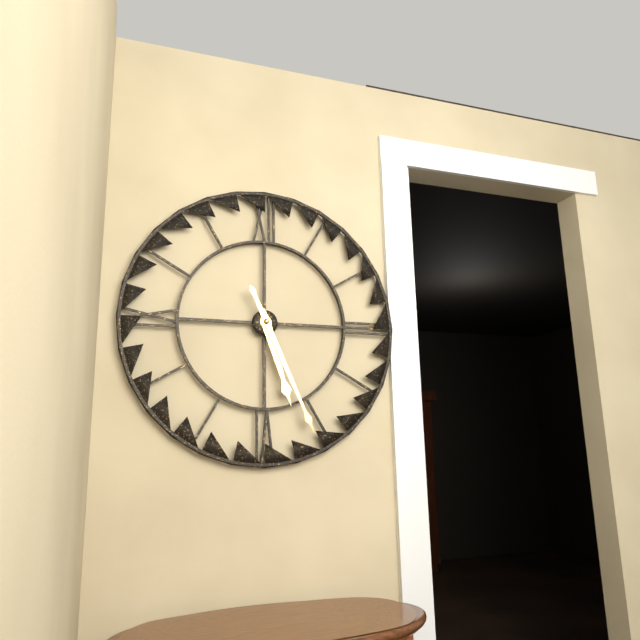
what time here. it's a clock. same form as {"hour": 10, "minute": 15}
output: {"hour": 5, "minute": 26}
